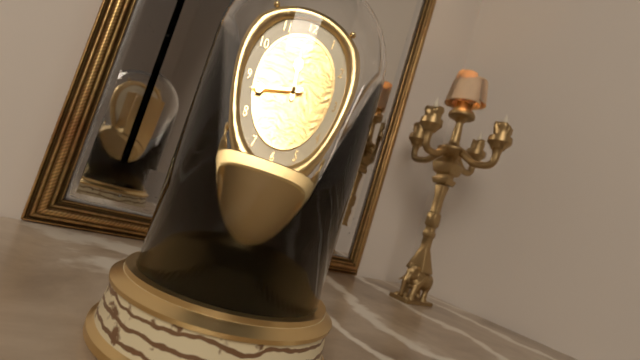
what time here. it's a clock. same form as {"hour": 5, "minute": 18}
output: {"hour": 11, "minute": 43}
